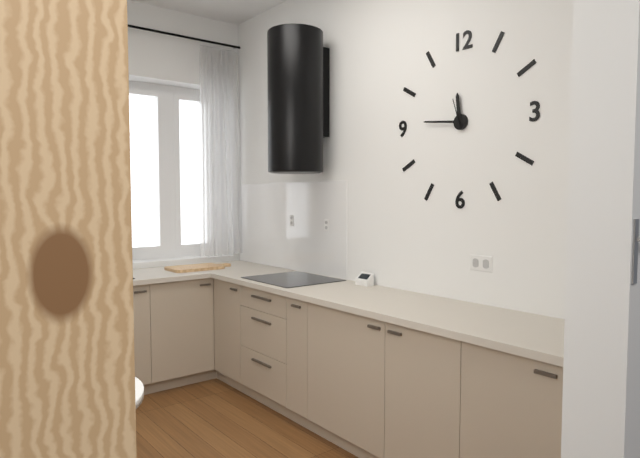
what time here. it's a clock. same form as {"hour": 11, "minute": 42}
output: {"hour": 11, "minute": 46}
